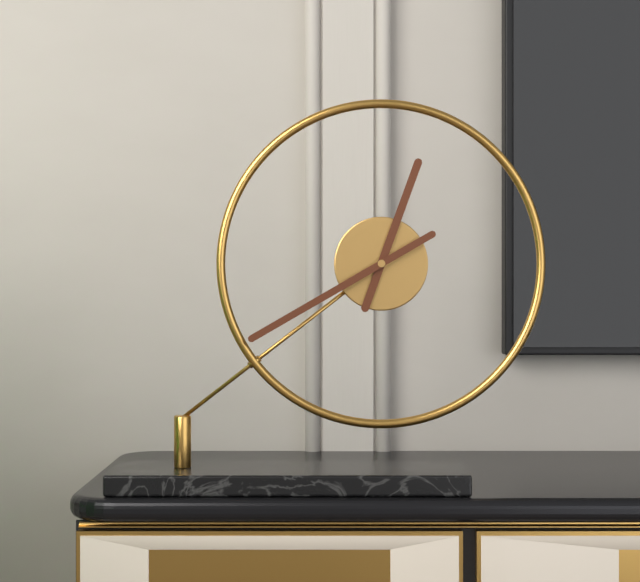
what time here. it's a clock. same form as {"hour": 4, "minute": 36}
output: {"hour": 12, "minute": 40}
